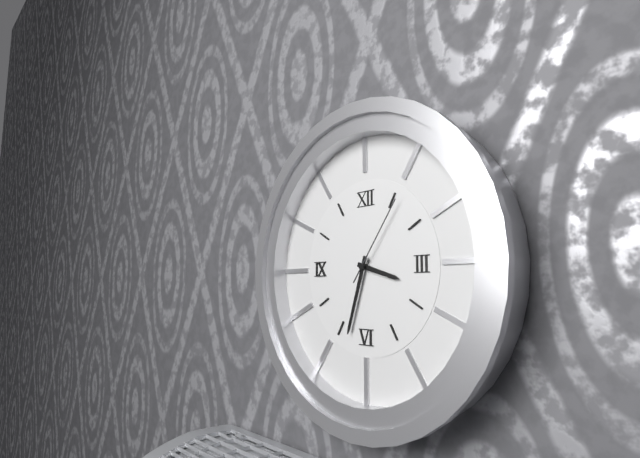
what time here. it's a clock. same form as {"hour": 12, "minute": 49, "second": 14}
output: {"hour": 3, "minute": 33, "second": 6}
